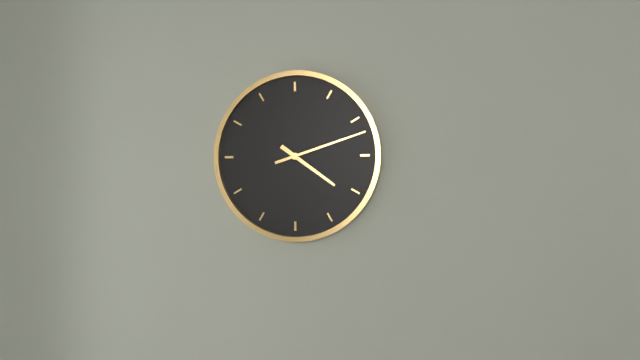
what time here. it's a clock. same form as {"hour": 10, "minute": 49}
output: {"hour": 4, "minute": 12}
